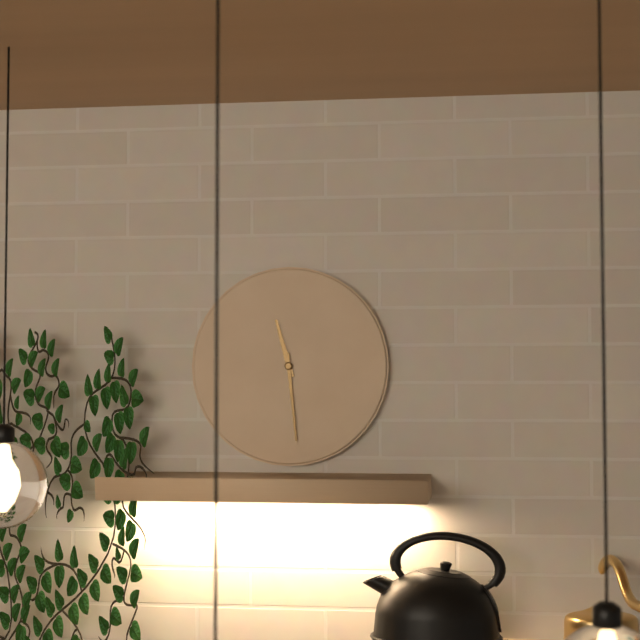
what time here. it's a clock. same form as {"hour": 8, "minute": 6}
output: {"hour": 11, "minute": 29}
